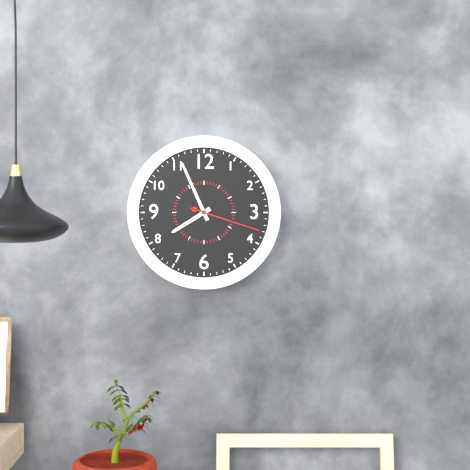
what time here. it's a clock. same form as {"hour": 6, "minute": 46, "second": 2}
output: {"hour": 7, "minute": 56, "second": 18}
